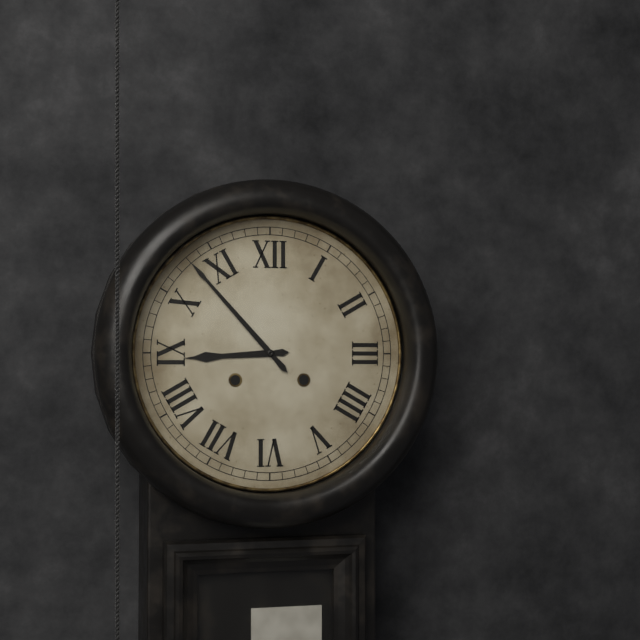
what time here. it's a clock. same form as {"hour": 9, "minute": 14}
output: {"hour": 8, "minute": 53}
